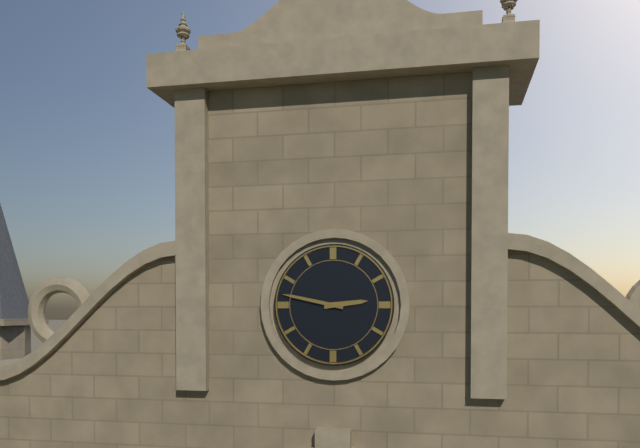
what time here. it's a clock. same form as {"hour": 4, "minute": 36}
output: {"hour": 2, "minute": 47}
